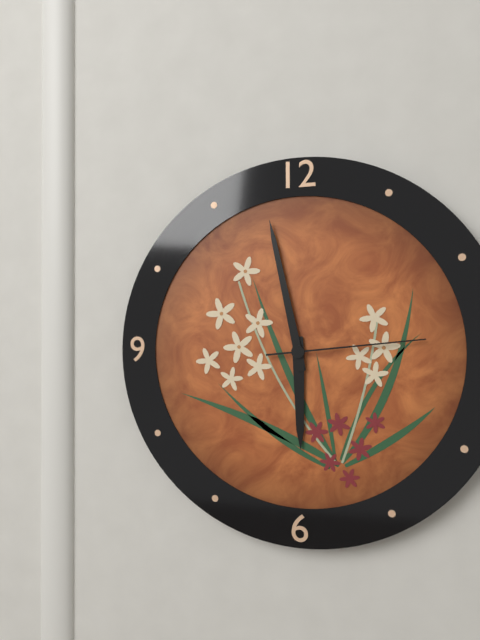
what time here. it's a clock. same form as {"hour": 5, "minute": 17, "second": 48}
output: {"hour": 5, "minute": 58, "second": 14}
